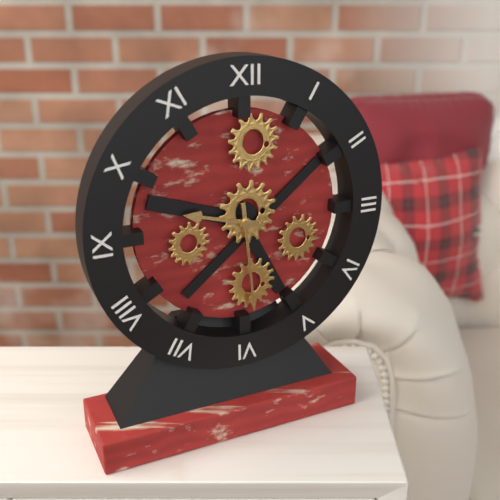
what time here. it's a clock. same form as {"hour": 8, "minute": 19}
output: {"hour": 9, "minute": 29}
